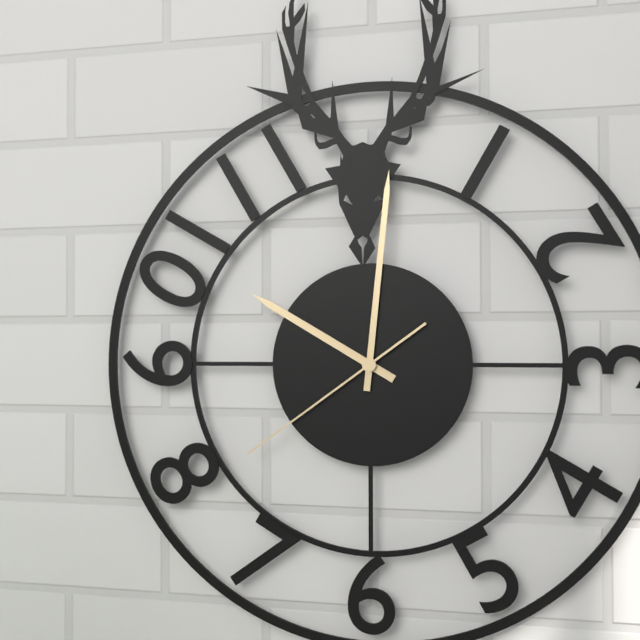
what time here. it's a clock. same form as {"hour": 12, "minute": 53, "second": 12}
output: {"hour": 10, "minute": 1, "second": 39}
